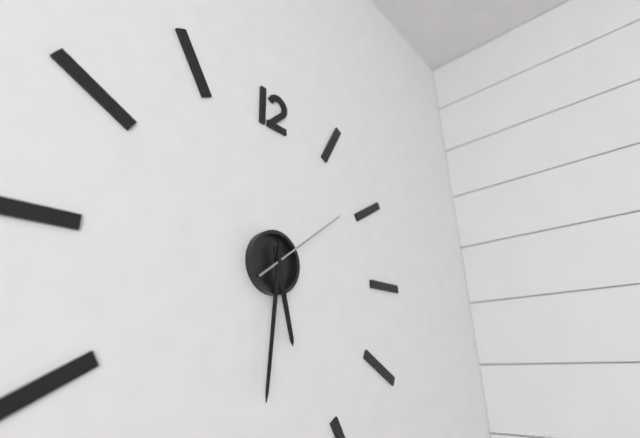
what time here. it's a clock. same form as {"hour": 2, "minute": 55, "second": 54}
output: {"hour": 5, "minute": 31, "second": 9}
